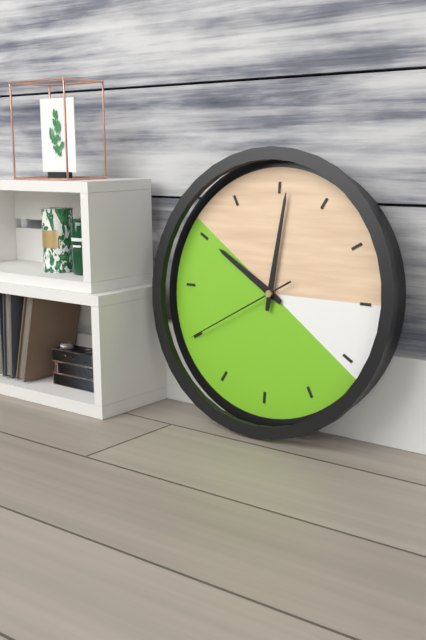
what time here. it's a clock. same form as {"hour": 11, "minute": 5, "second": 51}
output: {"hour": 10, "minute": 1, "second": 40}
